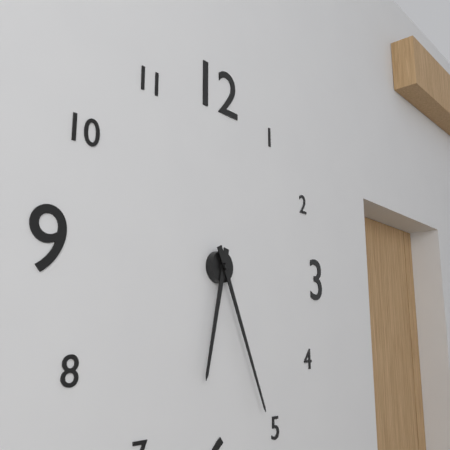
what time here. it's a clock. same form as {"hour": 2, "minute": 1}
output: {"hour": 6, "minute": 26}
